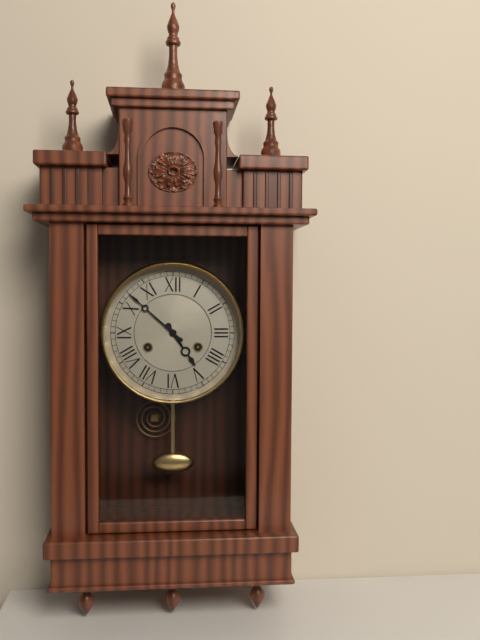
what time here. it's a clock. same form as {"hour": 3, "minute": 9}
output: {"hour": 4, "minute": 52}
